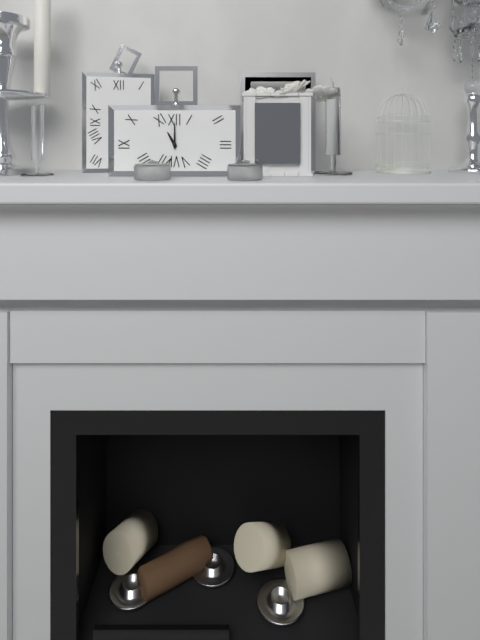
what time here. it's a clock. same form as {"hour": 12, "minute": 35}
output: {"hour": 11, "minute": 0}
